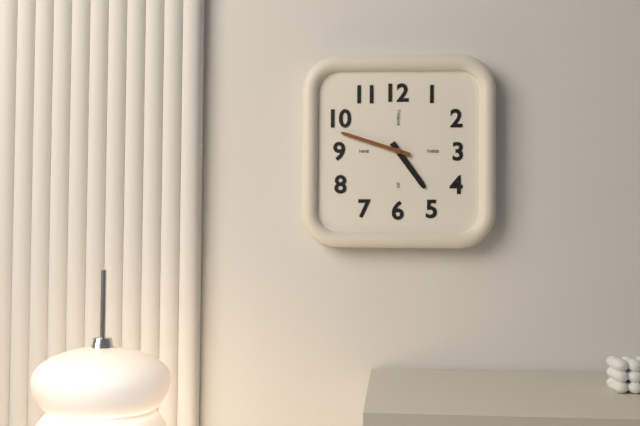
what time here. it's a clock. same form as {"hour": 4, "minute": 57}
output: {"hour": 4, "minute": 48}
